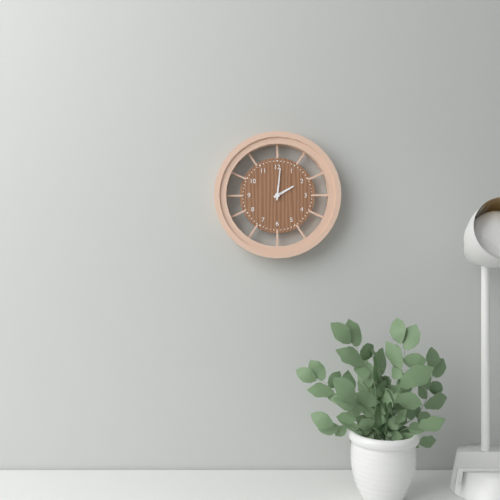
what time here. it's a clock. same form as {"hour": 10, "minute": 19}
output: {"hour": 2, "minute": 1}
